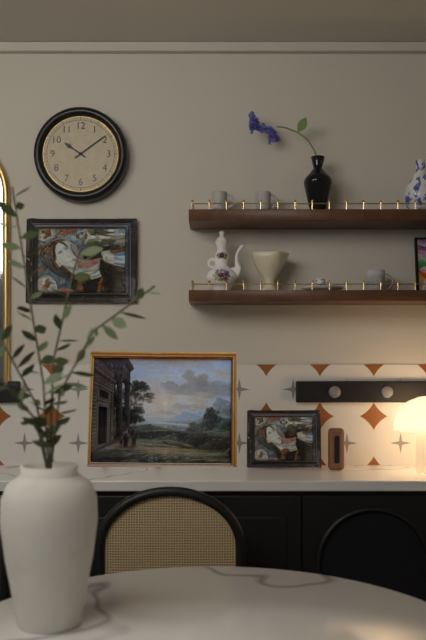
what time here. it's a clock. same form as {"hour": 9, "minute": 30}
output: {"hour": 10, "minute": 9}
